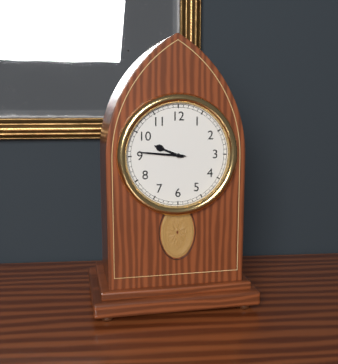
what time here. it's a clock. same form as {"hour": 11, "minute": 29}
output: {"hour": 9, "minute": 46}
